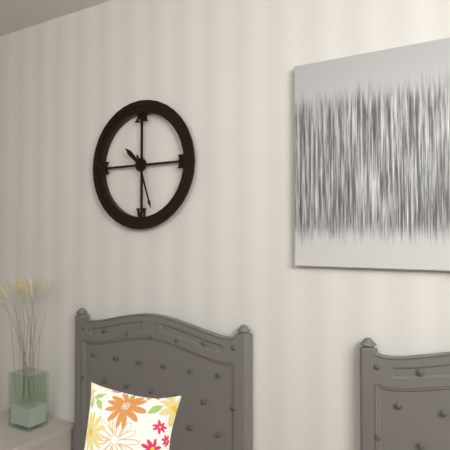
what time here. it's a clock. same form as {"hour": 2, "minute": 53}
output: {"hour": 10, "minute": 27}
